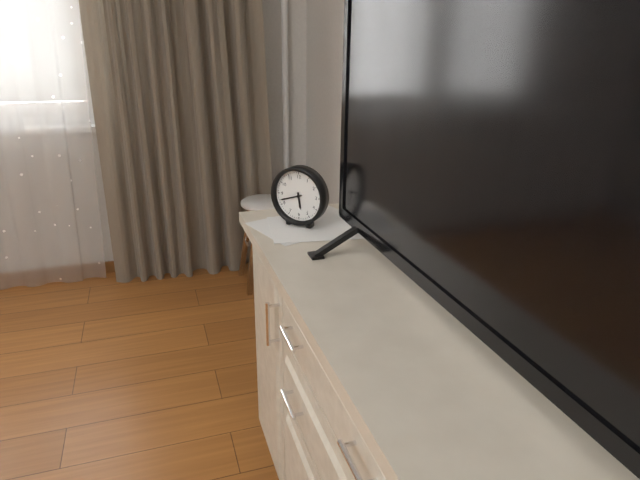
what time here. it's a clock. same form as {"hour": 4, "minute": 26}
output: {"hour": 5, "minute": 42}
